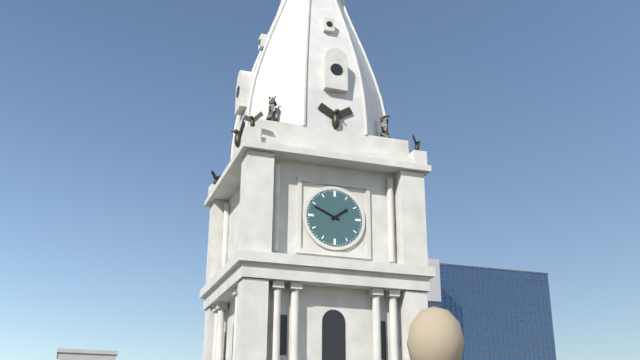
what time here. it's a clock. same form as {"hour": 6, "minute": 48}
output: {"hour": 1, "minute": 49}
